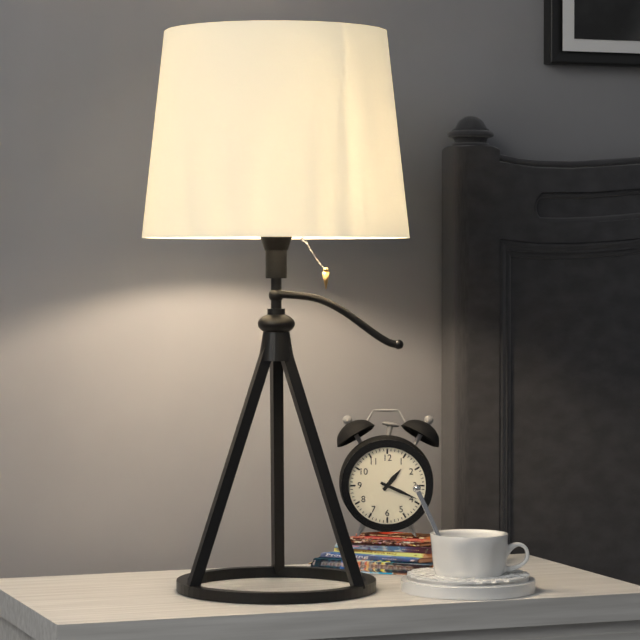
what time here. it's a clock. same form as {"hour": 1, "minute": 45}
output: {"hour": 1, "minute": 19}
